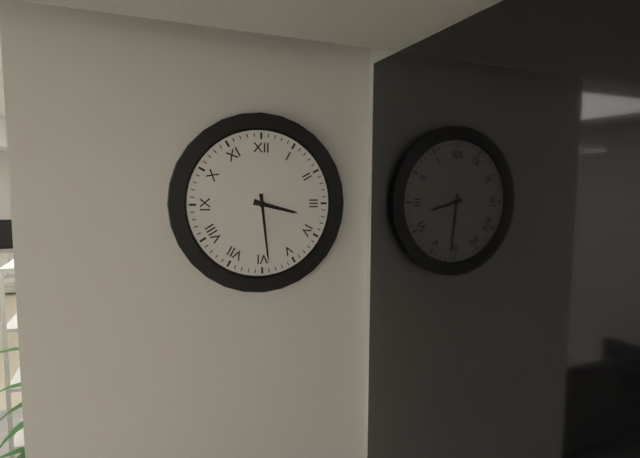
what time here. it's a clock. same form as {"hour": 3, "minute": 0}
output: {"hour": 3, "minute": 29}
